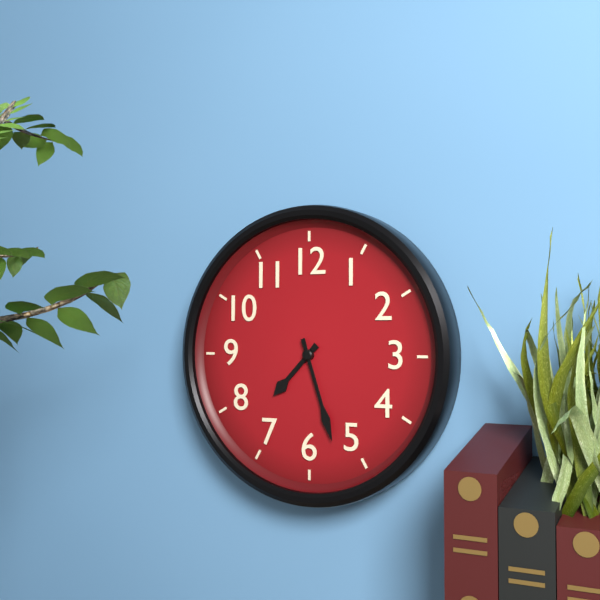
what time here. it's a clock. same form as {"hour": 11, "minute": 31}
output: {"hour": 7, "minute": 27}
